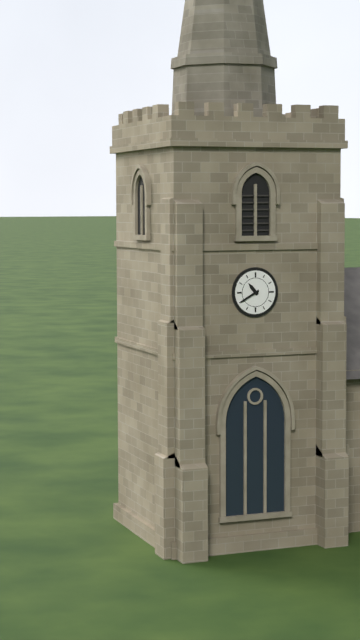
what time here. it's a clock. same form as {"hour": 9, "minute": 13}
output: {"hour": 10, "minute": 40}
